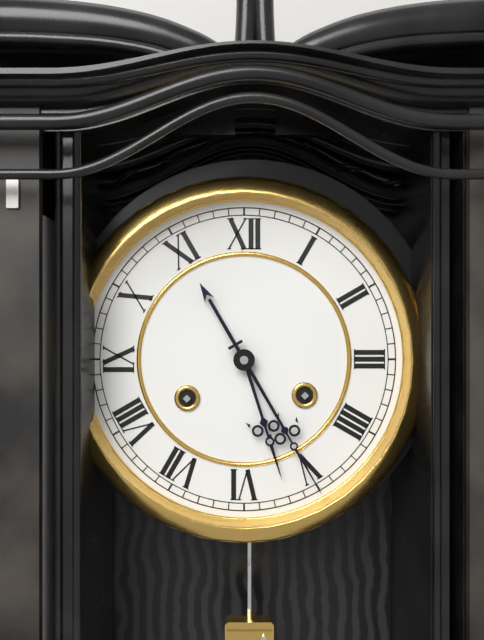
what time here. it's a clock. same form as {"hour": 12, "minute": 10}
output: {"hour": 5, "minute": 25}
